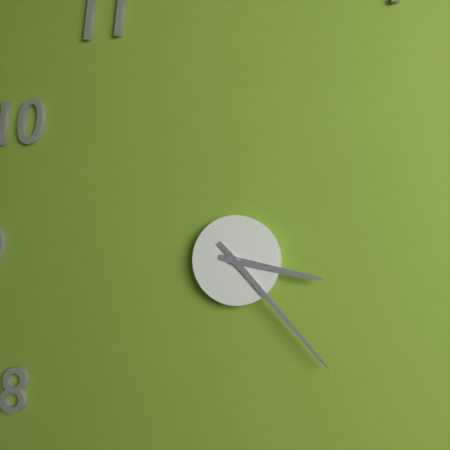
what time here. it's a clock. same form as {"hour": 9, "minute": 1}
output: {"hour": 3, "minute": 23}
